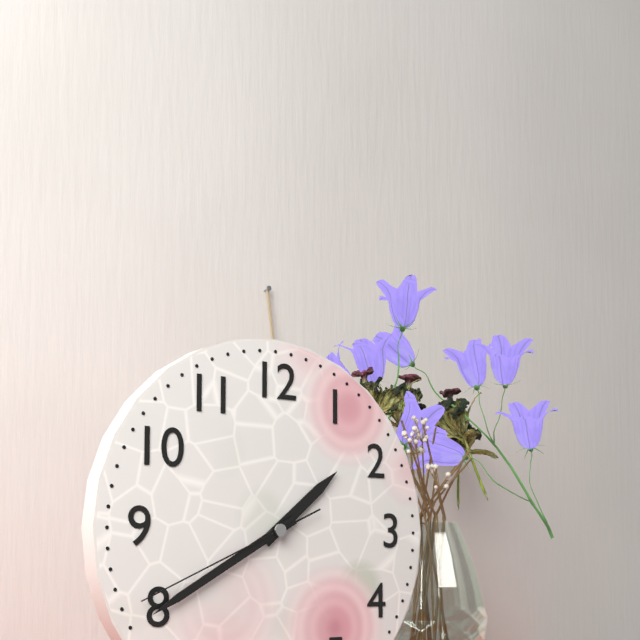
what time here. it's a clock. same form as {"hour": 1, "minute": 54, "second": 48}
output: {"hour": 1, "minute": 40, "second": 41}
